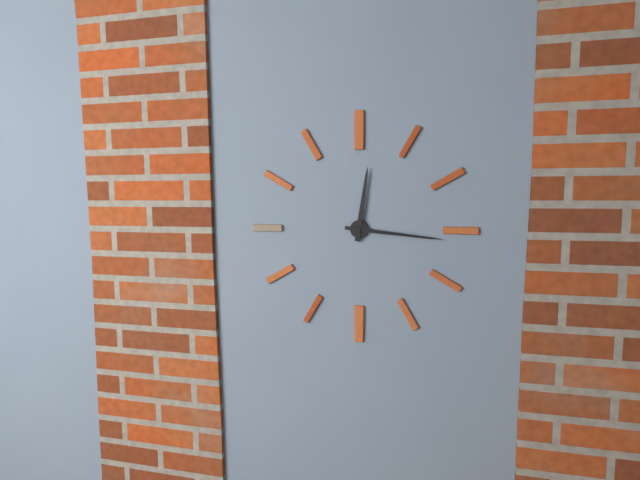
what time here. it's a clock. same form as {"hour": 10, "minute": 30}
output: {"hour": 12, "minute": 16}
